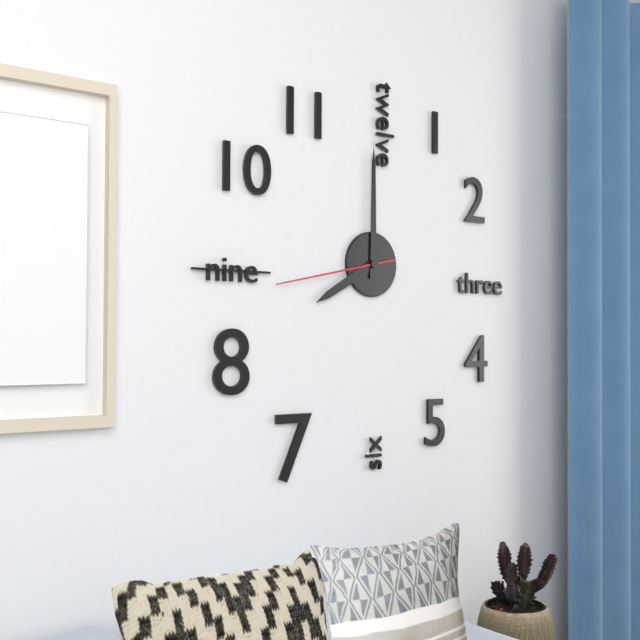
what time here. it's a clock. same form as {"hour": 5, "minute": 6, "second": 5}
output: {"hour": 8, "minute": 0, "second": 43}
